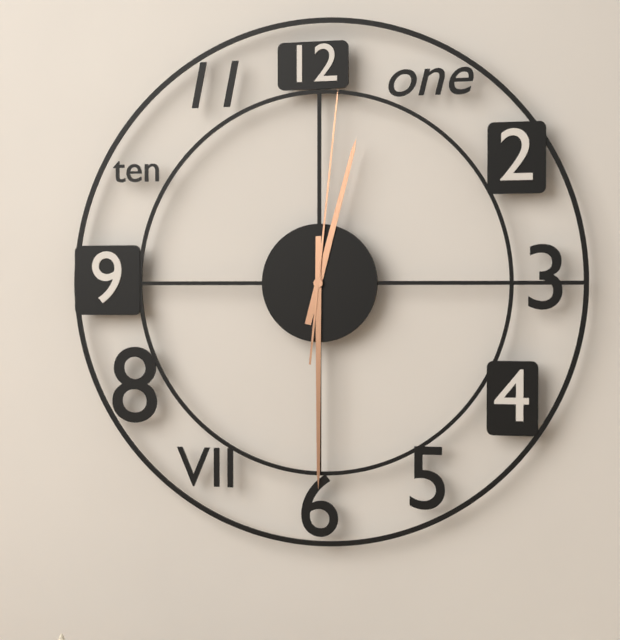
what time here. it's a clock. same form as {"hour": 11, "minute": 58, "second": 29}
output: {"hour": 12, "minute": 30, "second": 1}
